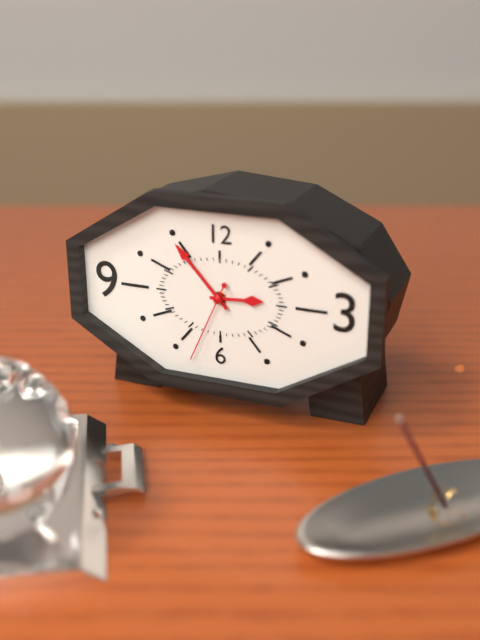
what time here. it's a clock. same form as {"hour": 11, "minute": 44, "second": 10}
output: {"hour": 2, "minute": 53, "second": 34}
